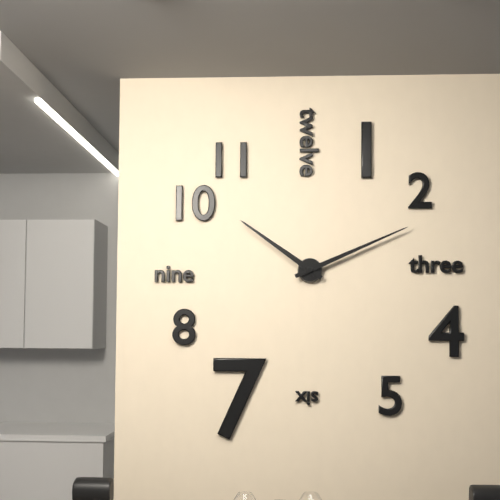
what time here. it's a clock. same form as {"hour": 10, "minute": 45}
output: {"hour": 10, "minute": 11}
